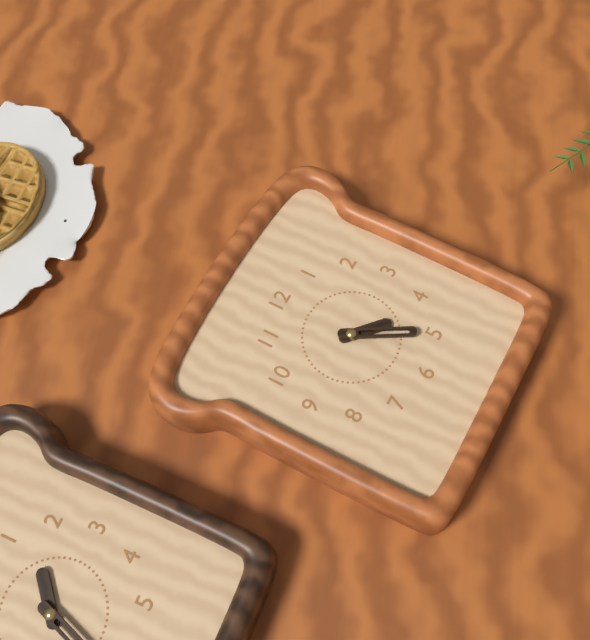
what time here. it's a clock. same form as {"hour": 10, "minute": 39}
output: {"hour": 4, "minute": 25}
